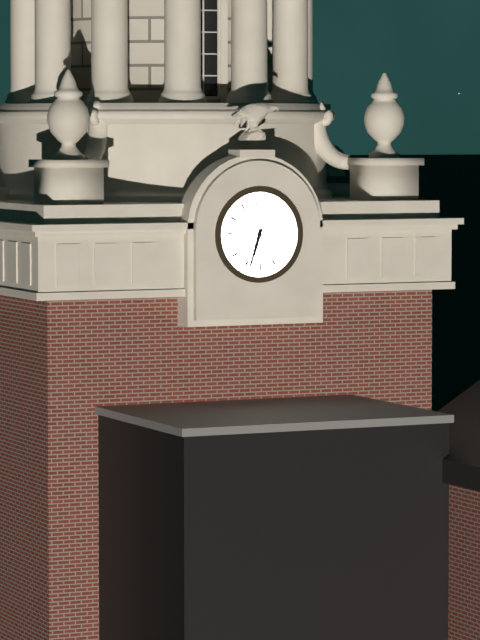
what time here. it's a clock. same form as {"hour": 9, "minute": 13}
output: {"hour": 6, "minute": 33}
